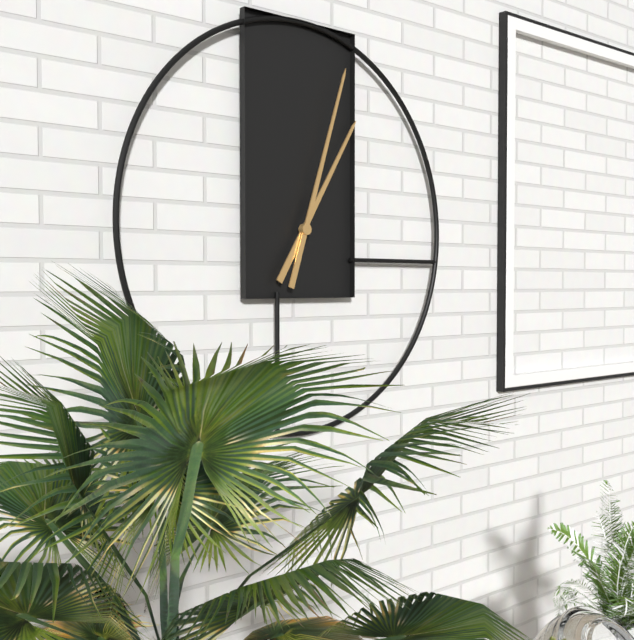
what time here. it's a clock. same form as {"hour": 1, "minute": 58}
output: {"hour": 1, "minute": 3}
